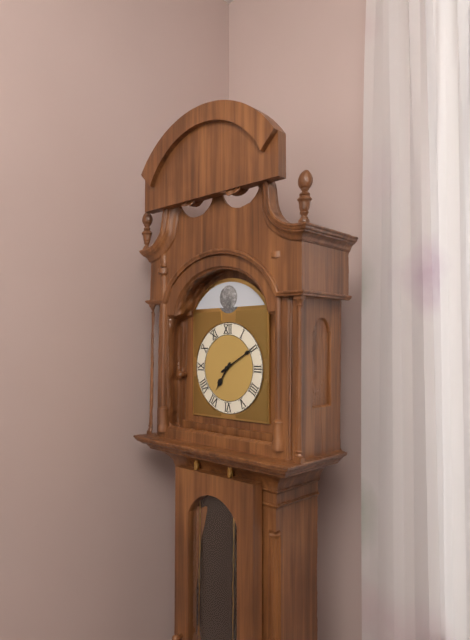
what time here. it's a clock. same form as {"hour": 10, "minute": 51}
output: {"hour": 7, "minute": 10}
